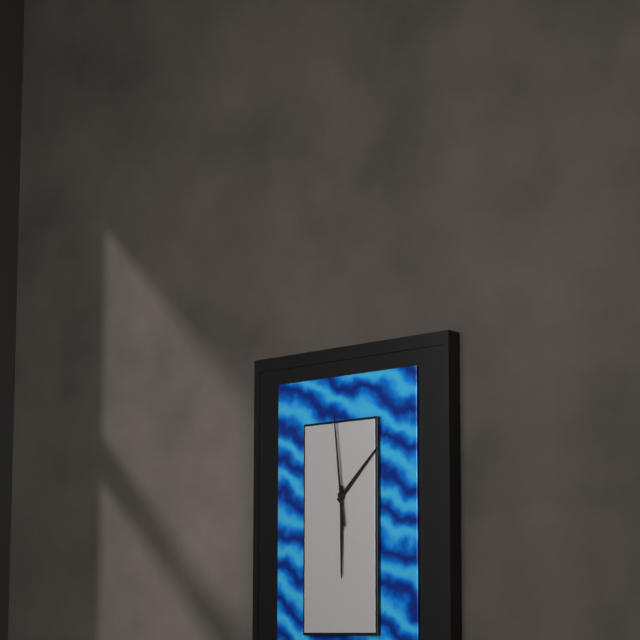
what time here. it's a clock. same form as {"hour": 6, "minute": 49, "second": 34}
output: {"hour": 1, "minute": 30, "second": 59}
